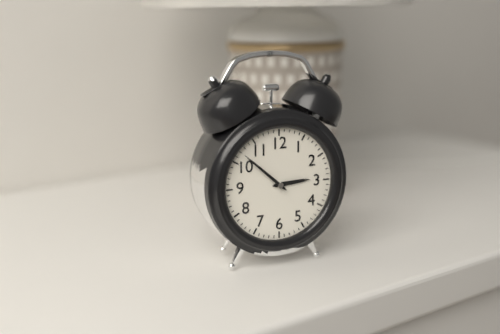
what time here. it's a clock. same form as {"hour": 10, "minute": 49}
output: {"hour": 2, "minute": 52}
